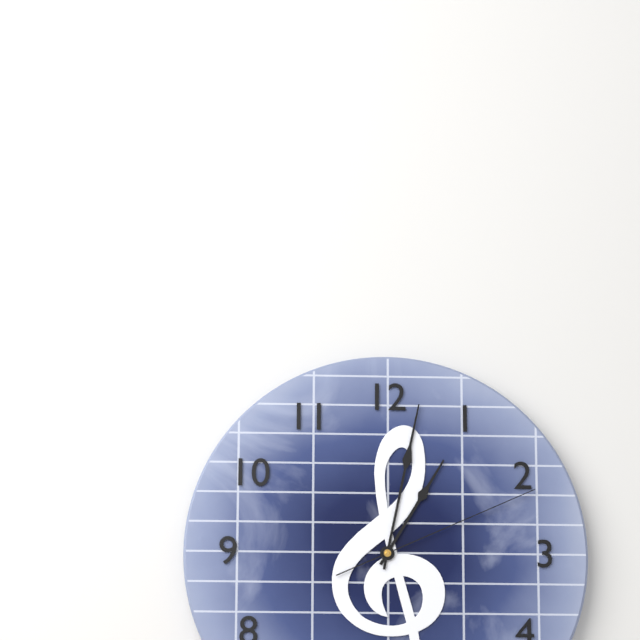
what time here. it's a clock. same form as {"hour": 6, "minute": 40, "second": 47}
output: {"hour": 1, "minute": 2, "second": 11}
